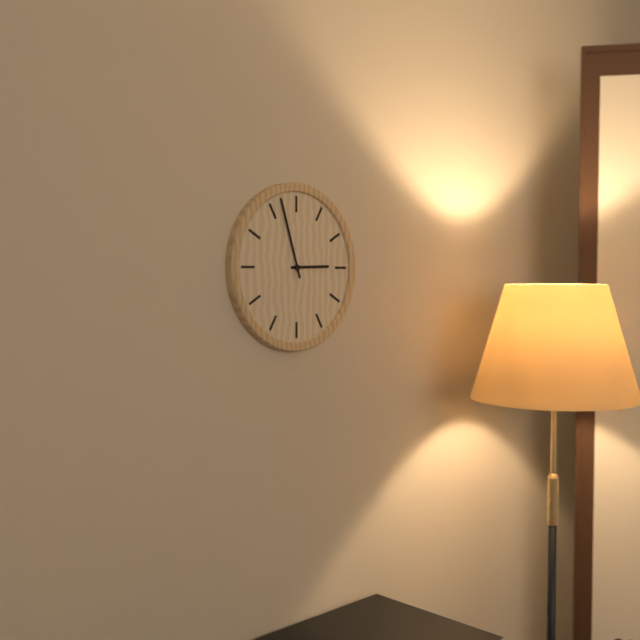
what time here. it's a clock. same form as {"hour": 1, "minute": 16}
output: {"hour": 2, "minute": 57}
